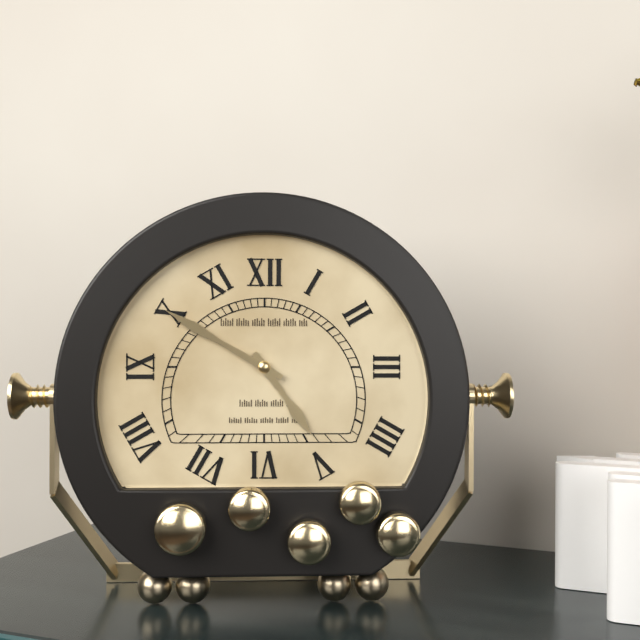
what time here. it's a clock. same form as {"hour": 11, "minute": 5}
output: {"hour": 4, "minute": 50}
